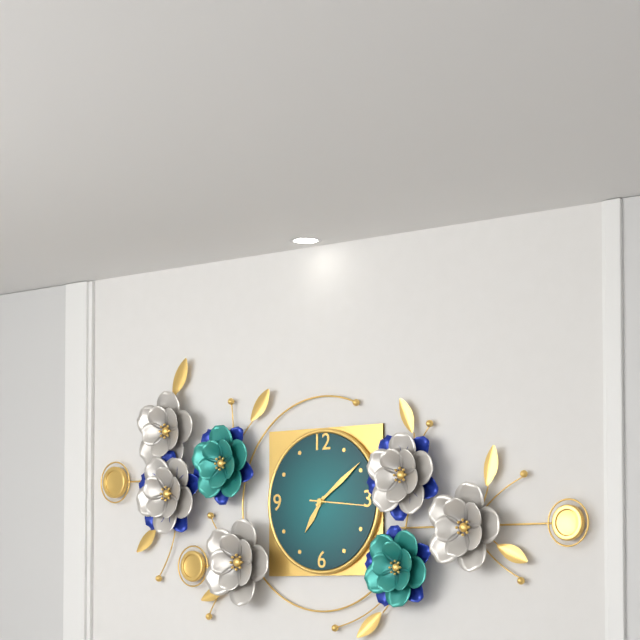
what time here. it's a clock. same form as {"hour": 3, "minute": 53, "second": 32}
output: {"hour": 7, "minute": 9, "second": 16}
